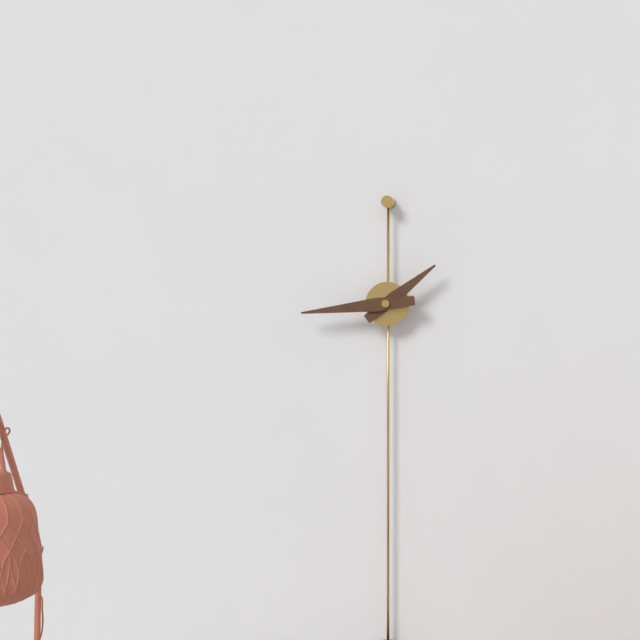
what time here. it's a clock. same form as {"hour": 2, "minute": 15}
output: {"hour": 1, "minute": 44}
